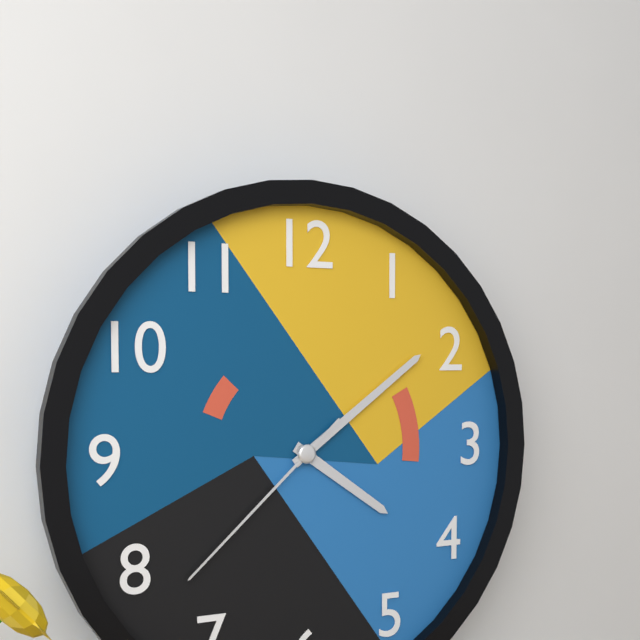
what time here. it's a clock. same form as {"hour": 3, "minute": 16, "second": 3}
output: {"hour": 4, "minute": 9, "second": 38}
